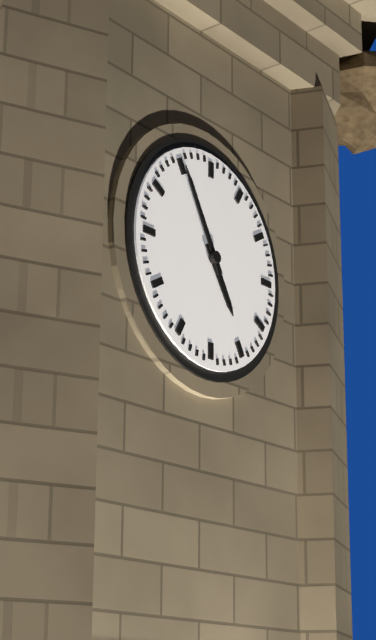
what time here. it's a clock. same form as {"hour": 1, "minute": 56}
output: {"hour": 4, "minute": 55}
